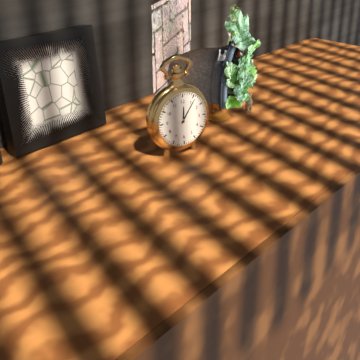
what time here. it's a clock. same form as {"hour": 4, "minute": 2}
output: {"hour": 12, "minute": 6}
